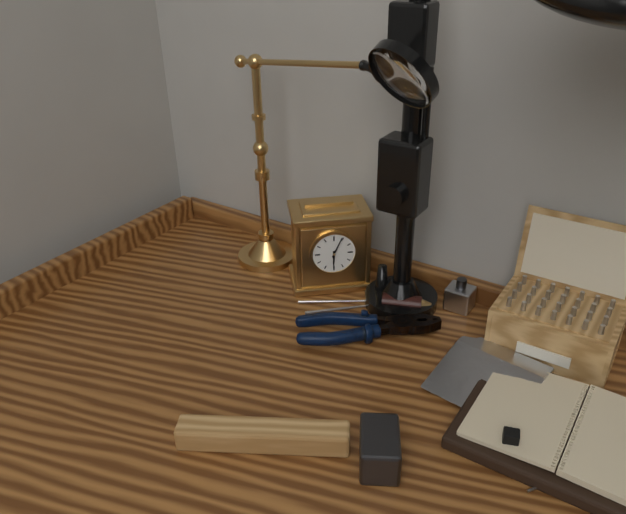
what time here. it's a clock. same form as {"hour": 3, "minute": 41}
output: {"hour": 6, "minute": 4}
